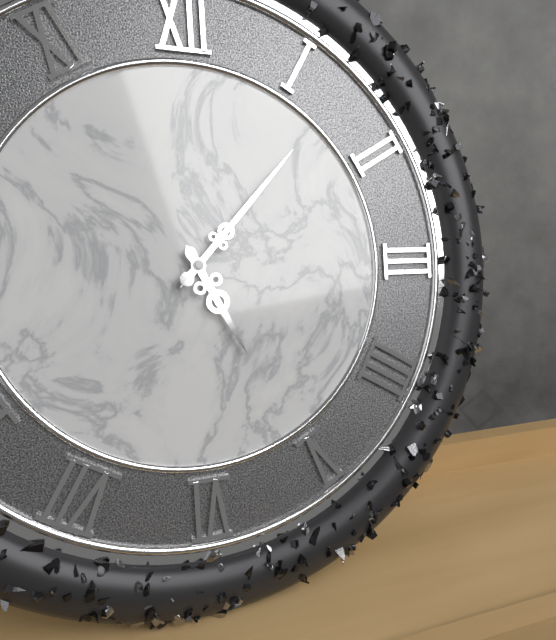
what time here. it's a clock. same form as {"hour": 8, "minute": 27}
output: {"hour": 5, "minute": 7}
